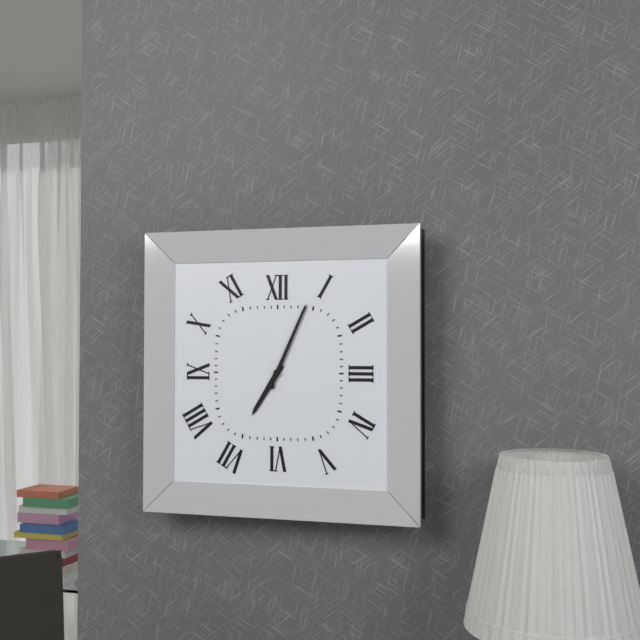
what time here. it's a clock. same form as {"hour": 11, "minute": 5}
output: {"hour": 7, "minute": 4}
